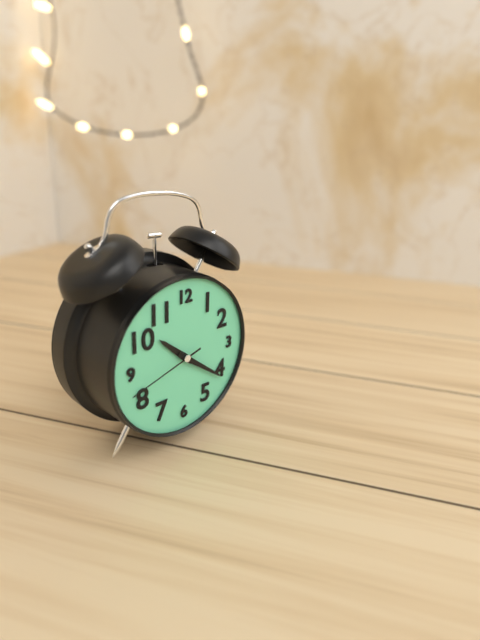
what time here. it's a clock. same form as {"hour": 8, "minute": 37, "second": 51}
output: {"hour": 10, "minute": 21, "second": 42}
